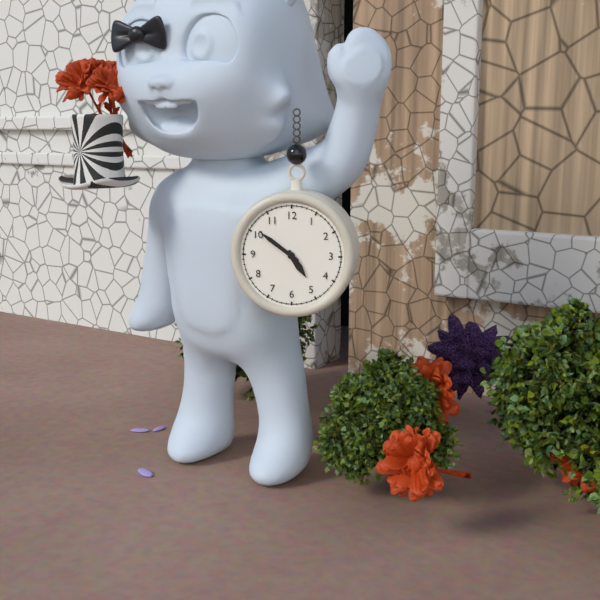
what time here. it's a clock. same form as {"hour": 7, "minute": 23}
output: {"hour": 4, "minute": 51}
